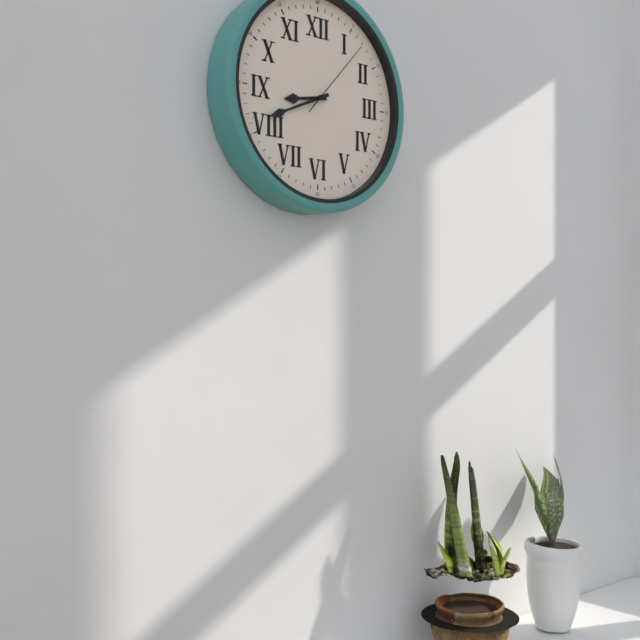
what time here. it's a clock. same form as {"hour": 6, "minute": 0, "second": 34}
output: {"hour": 8, "minute": 41, "second": 7}
